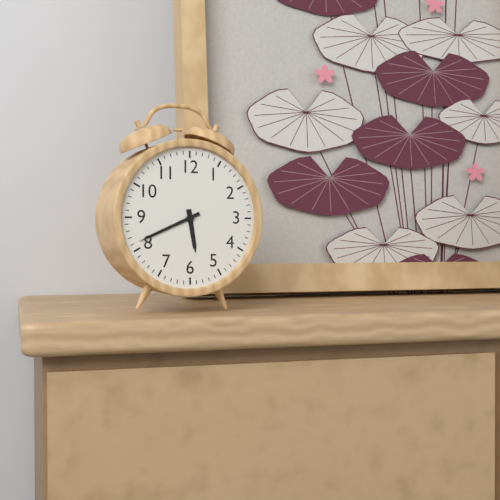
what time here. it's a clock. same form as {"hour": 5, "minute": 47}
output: {"hour": 5, "minute": 41}
